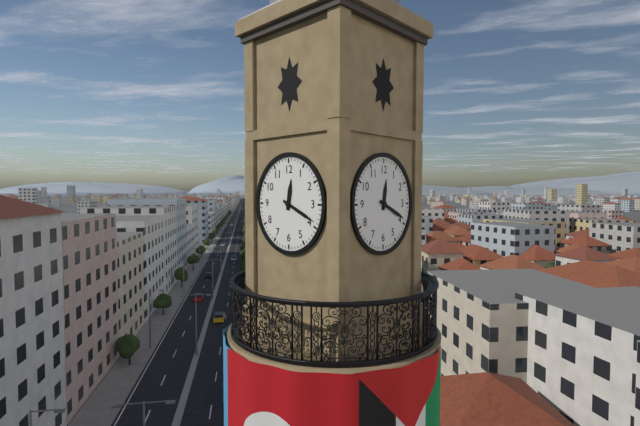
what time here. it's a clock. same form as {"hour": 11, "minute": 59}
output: {"hour": 12, "minute": 19}
